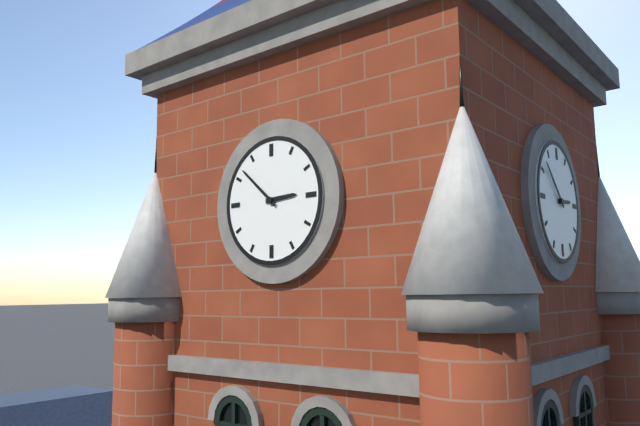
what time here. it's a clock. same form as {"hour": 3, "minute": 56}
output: {"hour": 2, "minute": 52}
